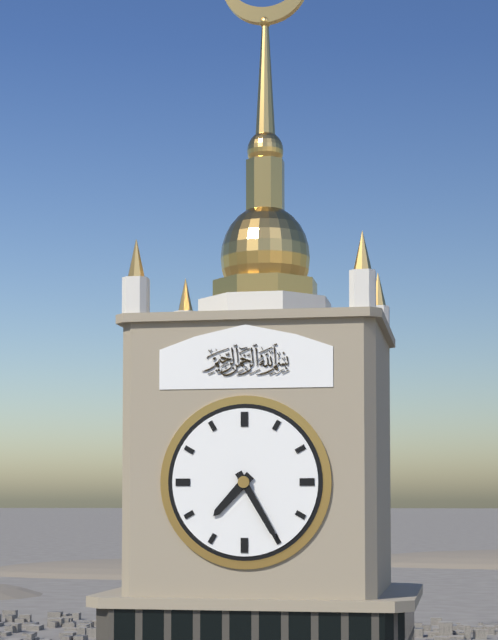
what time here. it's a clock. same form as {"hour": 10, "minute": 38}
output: {"hour": 7, "minute": 25}
